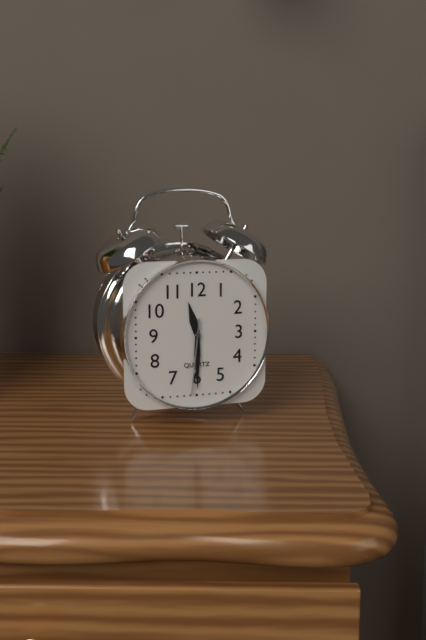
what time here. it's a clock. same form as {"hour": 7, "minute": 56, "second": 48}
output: {"hour": 11, "minute": 30, "second": 31}
